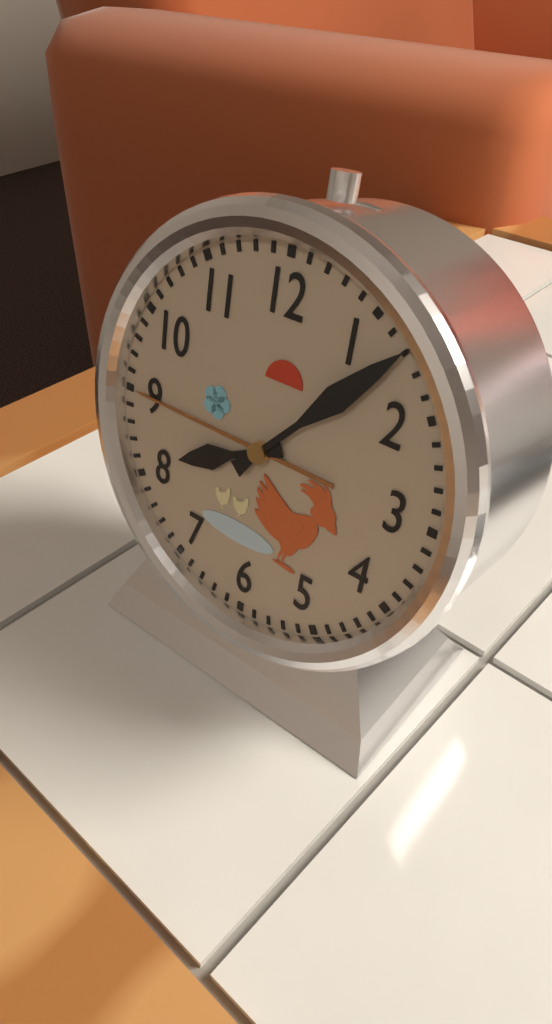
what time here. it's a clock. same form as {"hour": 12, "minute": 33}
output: {"hour": 8, "minute": 7}
